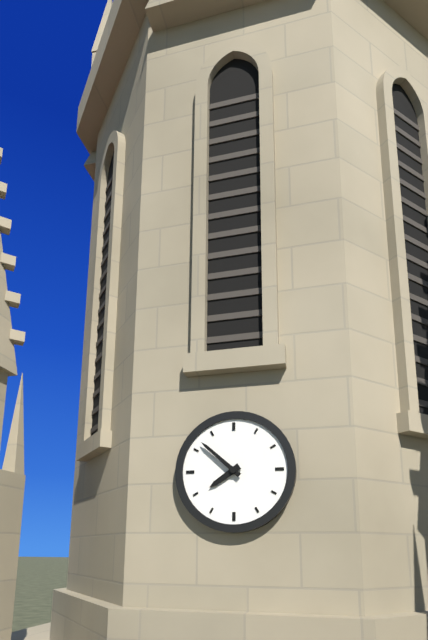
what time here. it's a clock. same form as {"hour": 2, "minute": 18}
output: {"hour": 7, "minute": 52}
